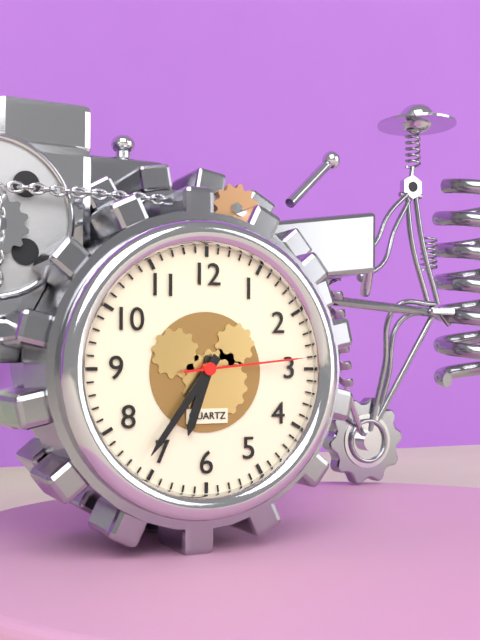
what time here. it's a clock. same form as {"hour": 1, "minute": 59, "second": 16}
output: {"hour": 6, "minute": 36, "second": 14}
